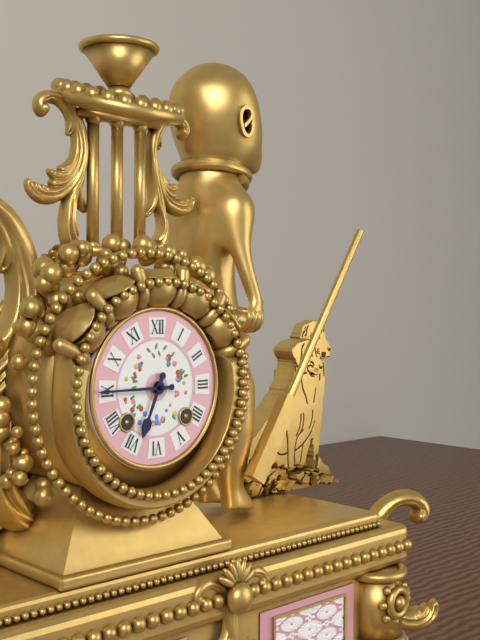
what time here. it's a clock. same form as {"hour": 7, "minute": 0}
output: {"hour": 6, "minute": 45}
